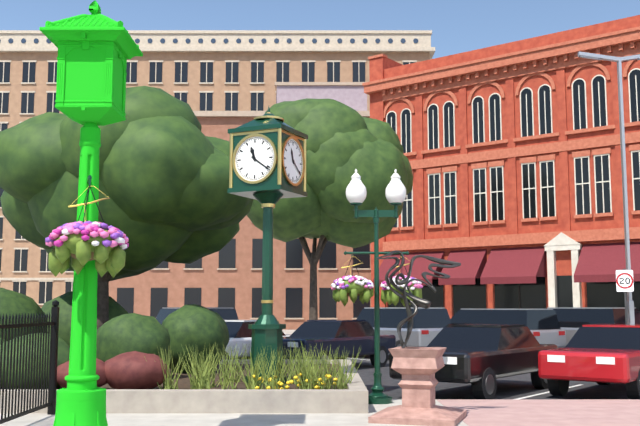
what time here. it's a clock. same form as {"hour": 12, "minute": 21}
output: {"hour": 11, "minute": 21}
